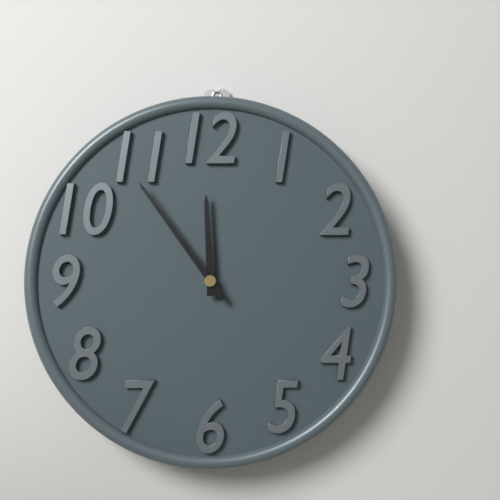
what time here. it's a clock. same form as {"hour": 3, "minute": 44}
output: {"hour": 11, "minute": 54}
